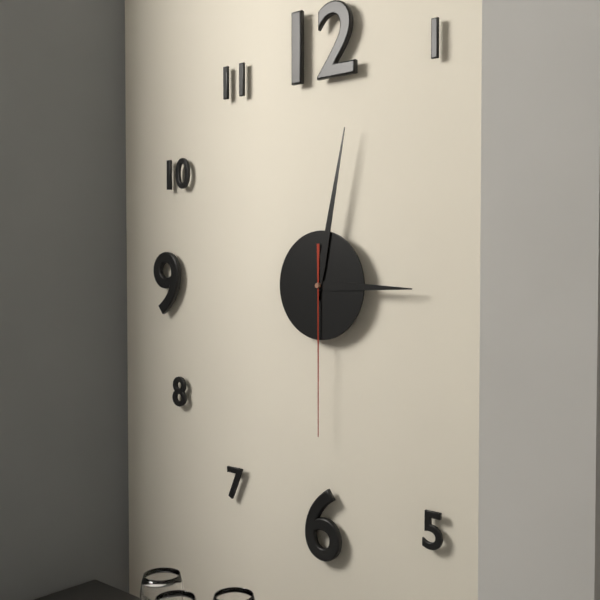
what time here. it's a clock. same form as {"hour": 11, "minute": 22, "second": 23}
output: {"hour": 3, "minute": 2, "second": 30}
